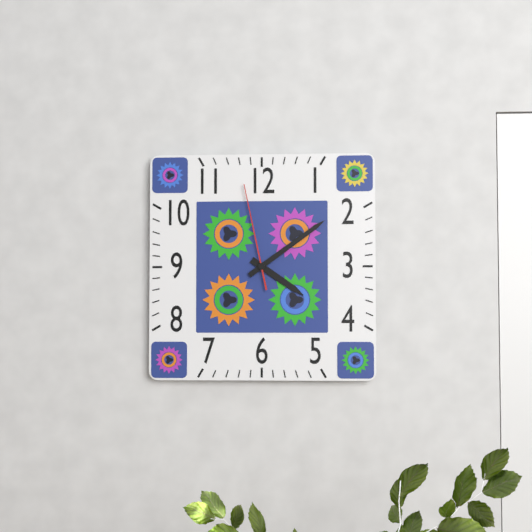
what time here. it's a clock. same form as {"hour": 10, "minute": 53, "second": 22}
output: {"hour": 4, "minute": 9, "second": 58}
